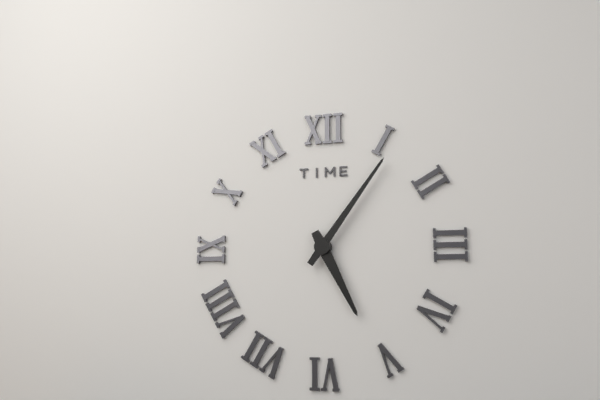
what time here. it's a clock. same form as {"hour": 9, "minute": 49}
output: {"hour": 5, "minute": 6}
